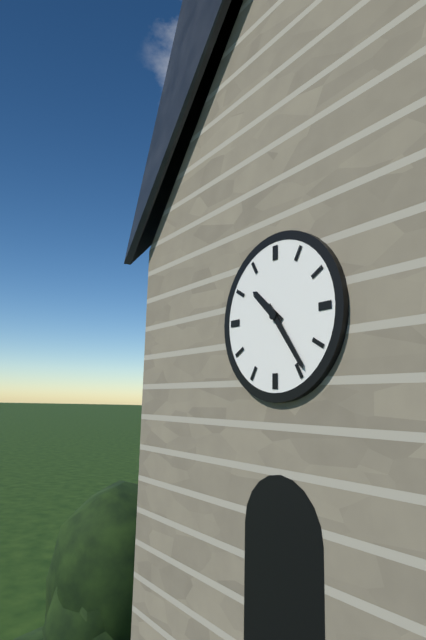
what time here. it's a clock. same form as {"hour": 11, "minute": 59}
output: {"hour": 10, "minute": 24}
